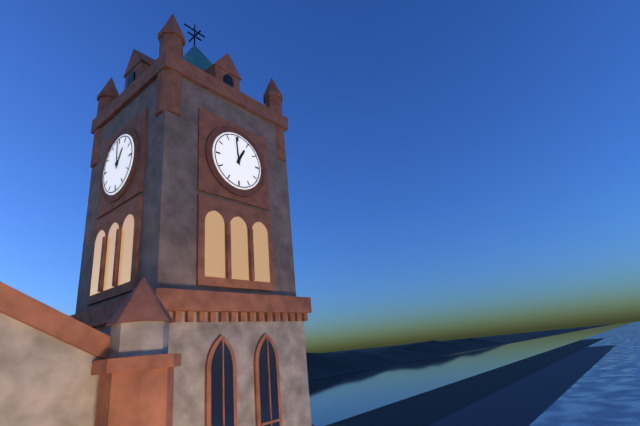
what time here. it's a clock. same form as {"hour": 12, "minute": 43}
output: {"hour": 12, "minute": 59}
